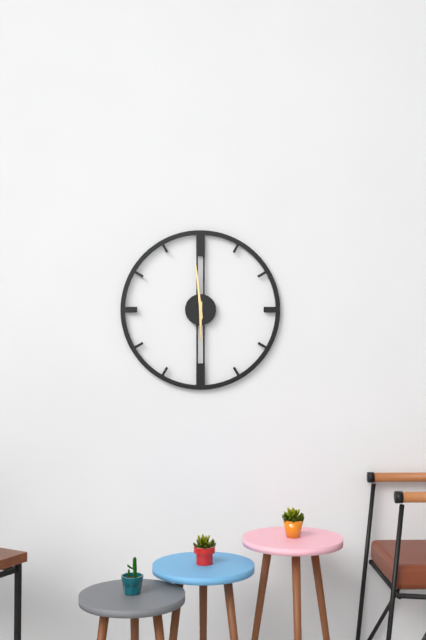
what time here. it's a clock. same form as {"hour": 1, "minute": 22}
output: {"hour": 5, "minute": 59}
